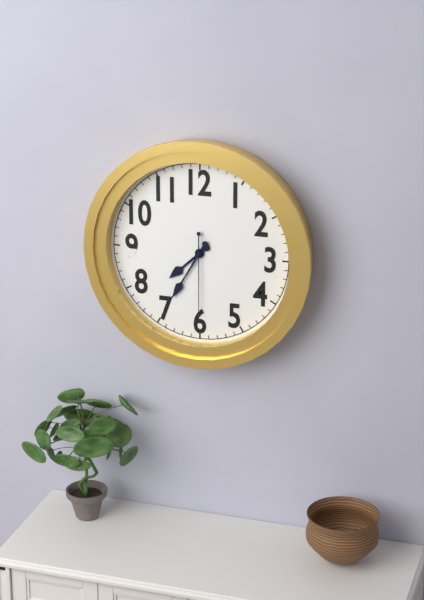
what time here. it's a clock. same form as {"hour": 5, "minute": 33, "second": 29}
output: {"hour": 7, "minute": 35, "second": 30}
